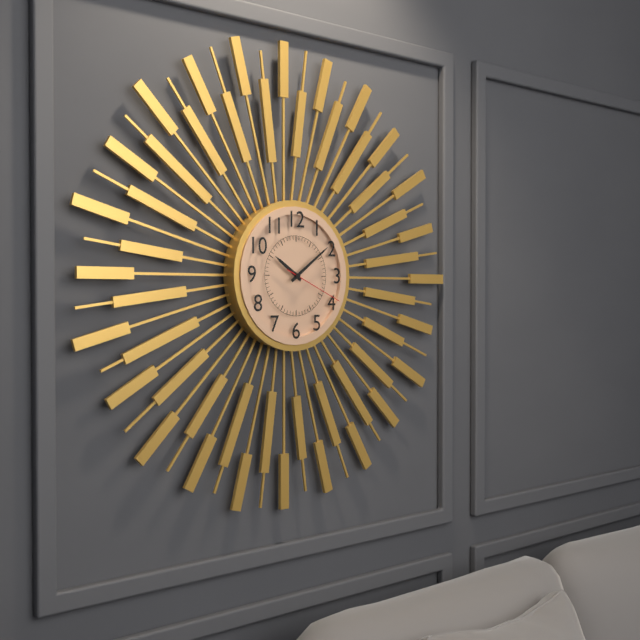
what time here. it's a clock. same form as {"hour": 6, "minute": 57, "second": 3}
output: {"hour": 10, "minute": 9, "second": 19}
